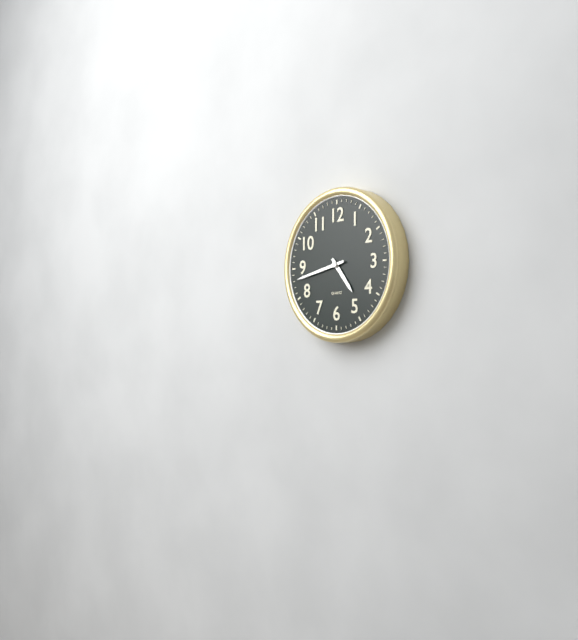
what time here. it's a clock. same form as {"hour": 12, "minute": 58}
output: {"hour": 4, "minute": 43}
